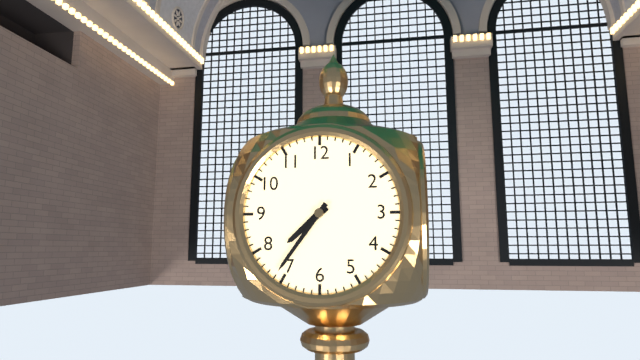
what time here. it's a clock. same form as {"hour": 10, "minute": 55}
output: {"hour": 7, "minute": 36}
